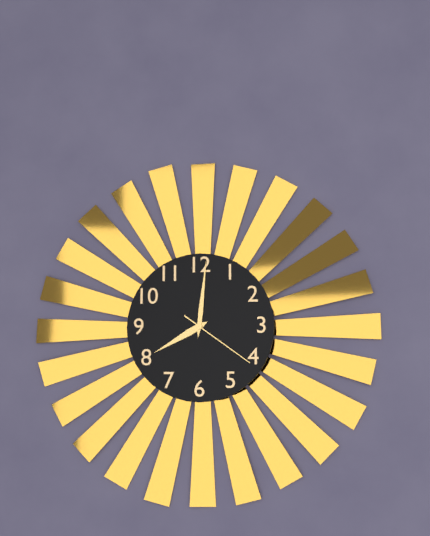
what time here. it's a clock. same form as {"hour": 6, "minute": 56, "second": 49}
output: {"hour": 8, "minute": 1, "second": 21}
